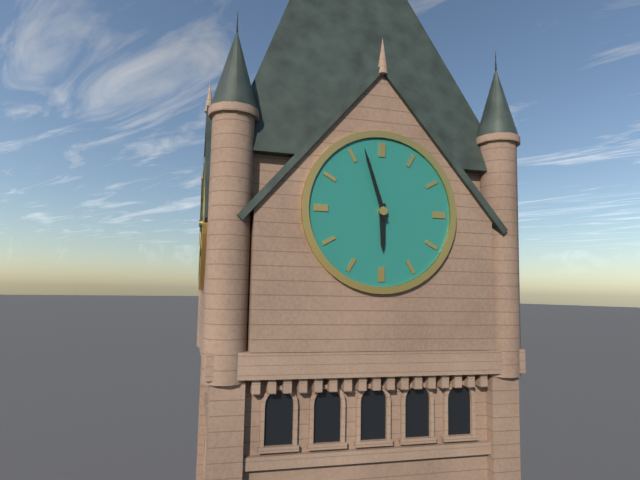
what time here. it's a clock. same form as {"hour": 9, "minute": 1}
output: {"hour": 5, "minute": 57}
